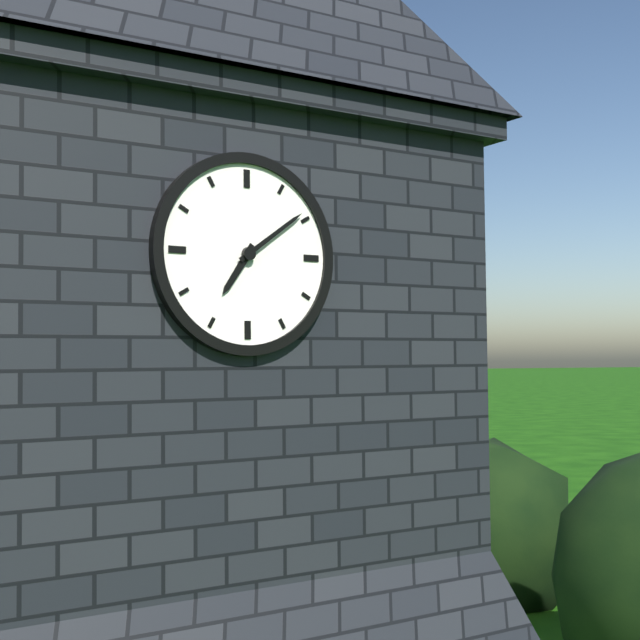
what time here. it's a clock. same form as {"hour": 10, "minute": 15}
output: {"hour": 7, "minute": 9}
